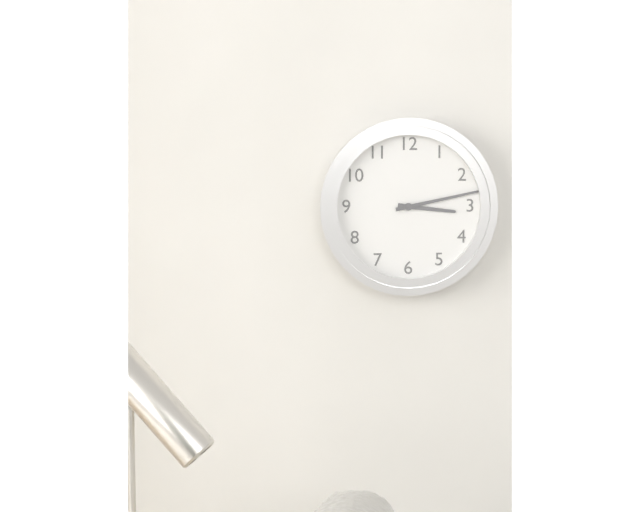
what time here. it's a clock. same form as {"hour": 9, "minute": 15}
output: {"hour": 3, "minute": 13}
